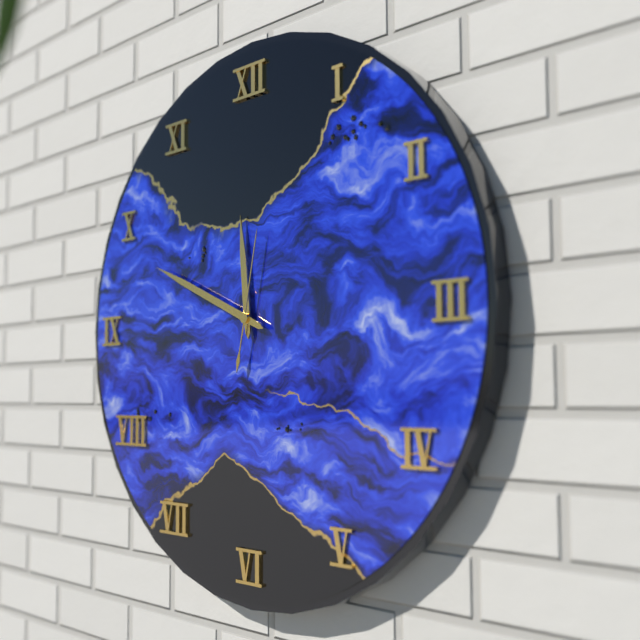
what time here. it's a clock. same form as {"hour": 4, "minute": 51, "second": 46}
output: {"hour": 11, "minute": 49, "second": 2}
